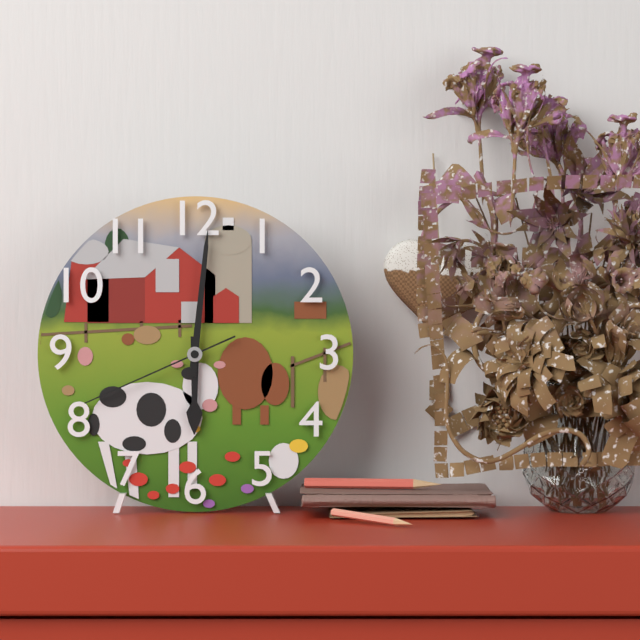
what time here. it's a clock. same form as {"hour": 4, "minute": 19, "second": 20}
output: {"hour": 6, "minute": 1, "second": 41}
